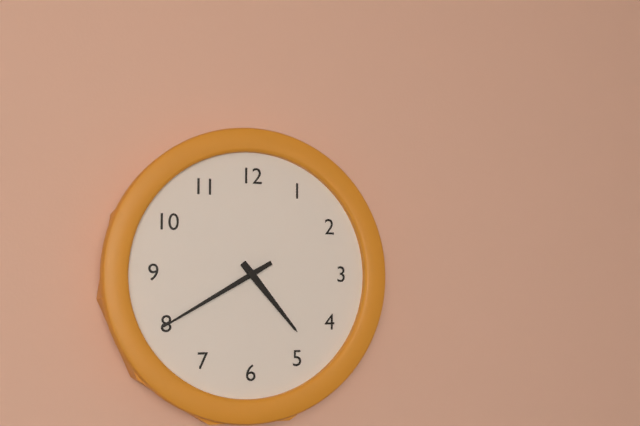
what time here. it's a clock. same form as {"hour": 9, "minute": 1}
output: {"hour": 4, "minute": 40}
